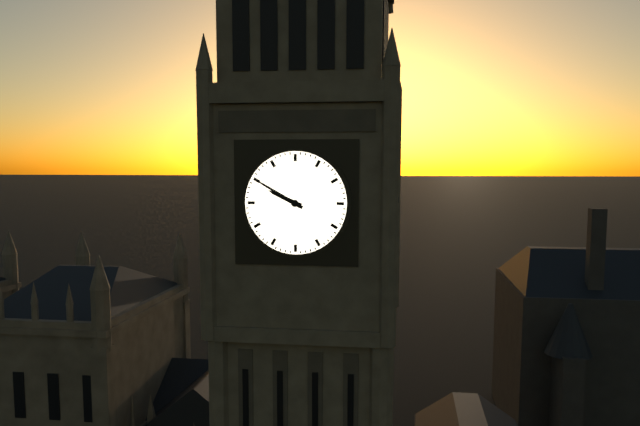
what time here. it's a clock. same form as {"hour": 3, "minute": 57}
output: {"hour": 9, "minute": 50}
